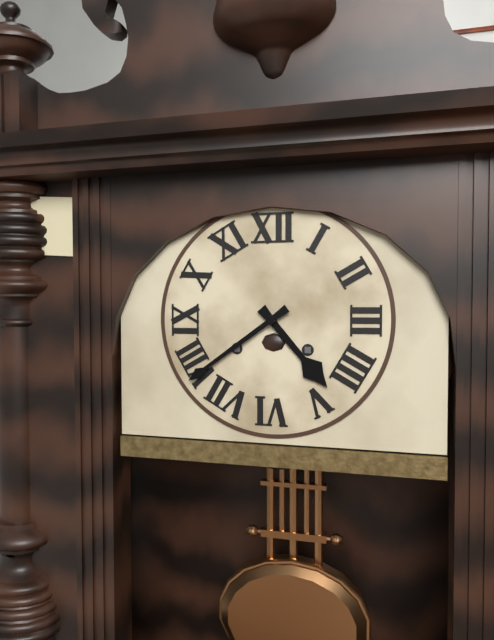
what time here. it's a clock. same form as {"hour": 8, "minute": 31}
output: {"hour": 4, "minute": 39}
